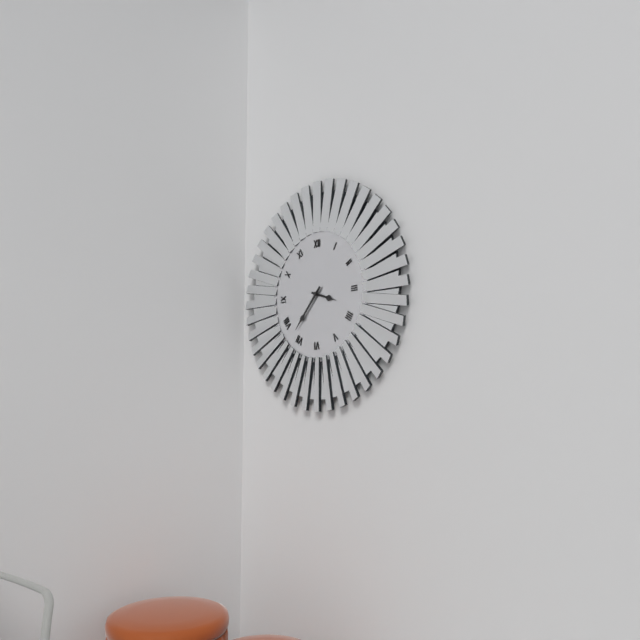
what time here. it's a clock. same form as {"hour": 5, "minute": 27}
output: {"hour": 3, "minute": 37}
